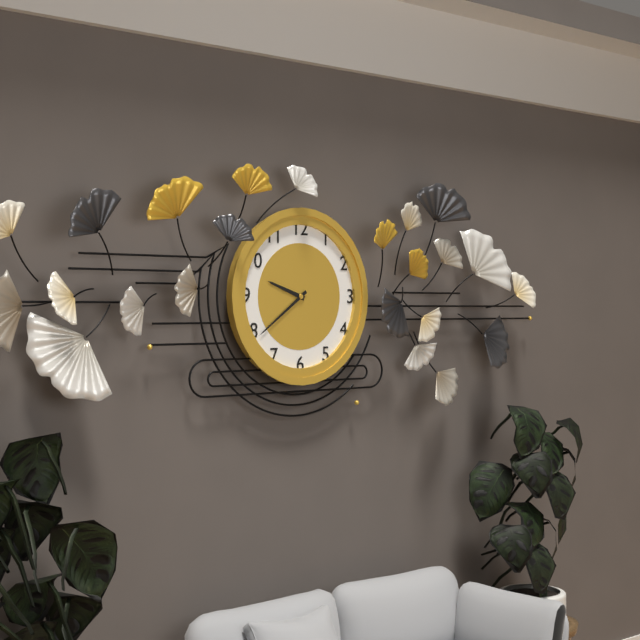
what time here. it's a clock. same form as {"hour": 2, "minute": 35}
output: {"hour": 9, "minute": 39}
